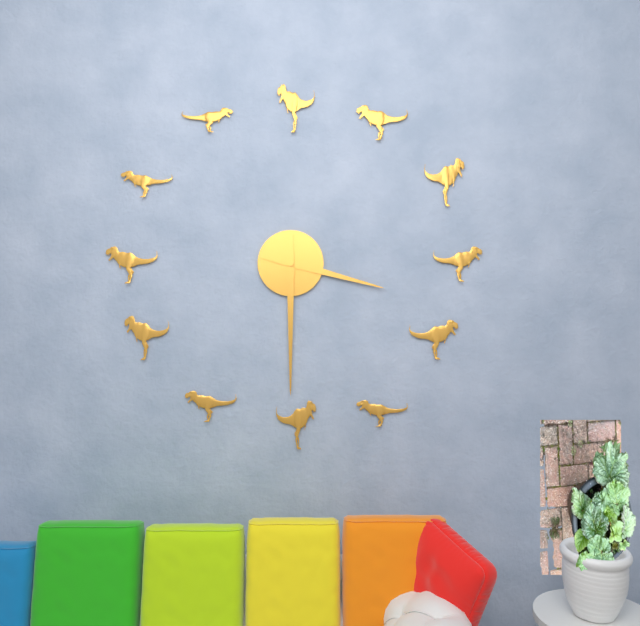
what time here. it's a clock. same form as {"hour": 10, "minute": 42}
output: {"hour": 3, "minute": 30}
